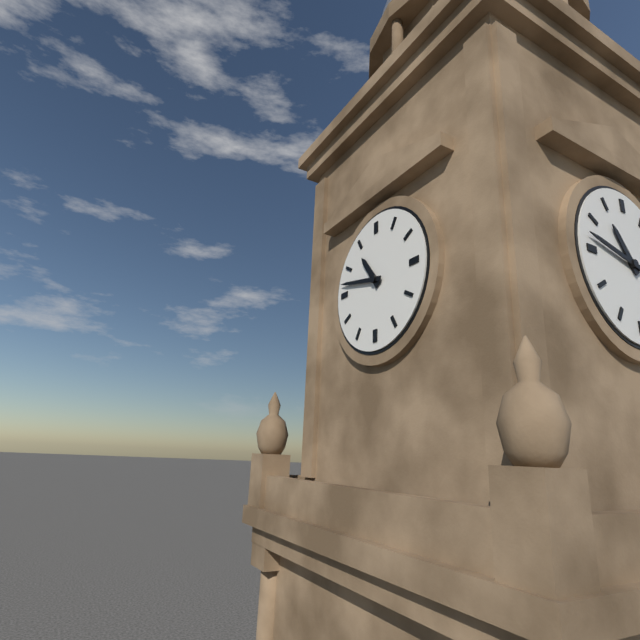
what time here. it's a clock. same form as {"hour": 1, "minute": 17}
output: {"hour": 10, "minute": 47}
